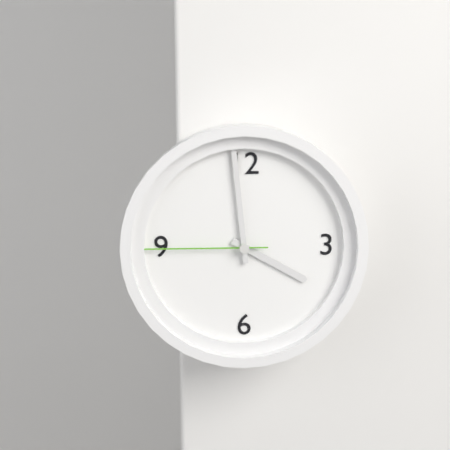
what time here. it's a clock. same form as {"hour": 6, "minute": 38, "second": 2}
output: {"hour": 3, "minute": 59, "second": 45}
